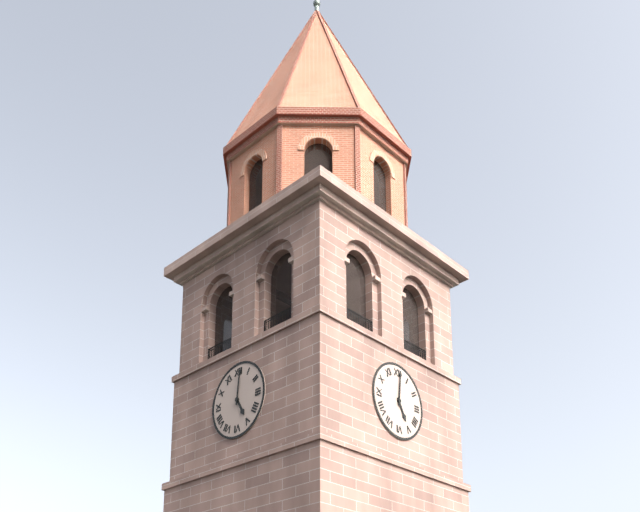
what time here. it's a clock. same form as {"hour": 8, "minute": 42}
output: {"hour": 5, "minute": 1}
